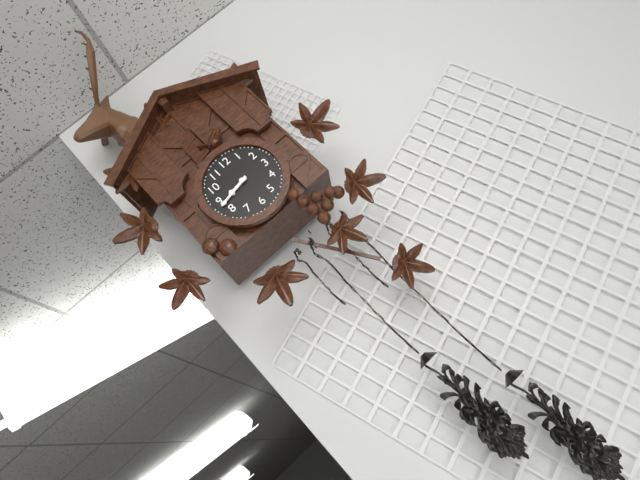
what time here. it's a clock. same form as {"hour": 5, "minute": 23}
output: {"hour": 8, "minute": 43}
